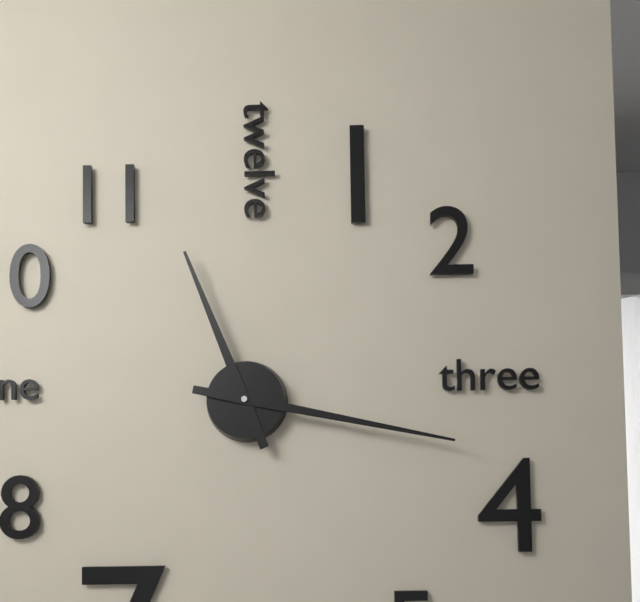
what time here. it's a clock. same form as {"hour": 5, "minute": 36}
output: {"hour": 11, "minute": 17}
